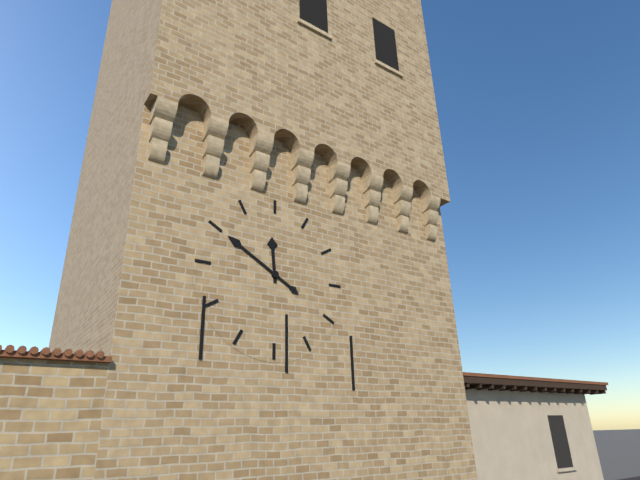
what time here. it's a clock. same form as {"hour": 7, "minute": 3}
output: {"hour": 11, "minute": 50}
